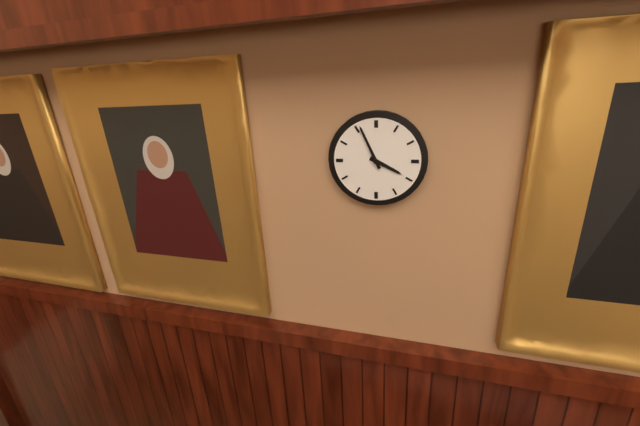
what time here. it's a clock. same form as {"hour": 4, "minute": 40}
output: {"hour": 3, "minute": 56}
